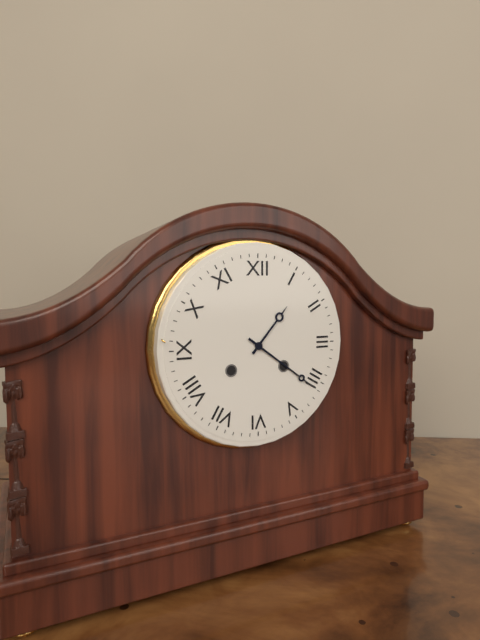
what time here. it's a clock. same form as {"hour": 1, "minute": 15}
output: {"hour": 1, "minute": 21}
